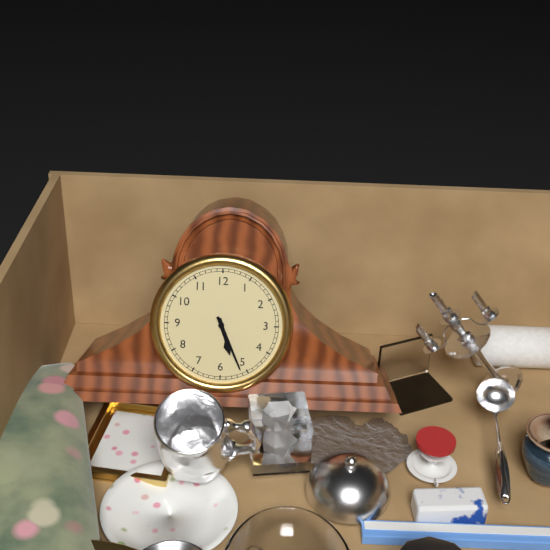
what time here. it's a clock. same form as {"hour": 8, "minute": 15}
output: {"hour": 5, "minute": 26}
